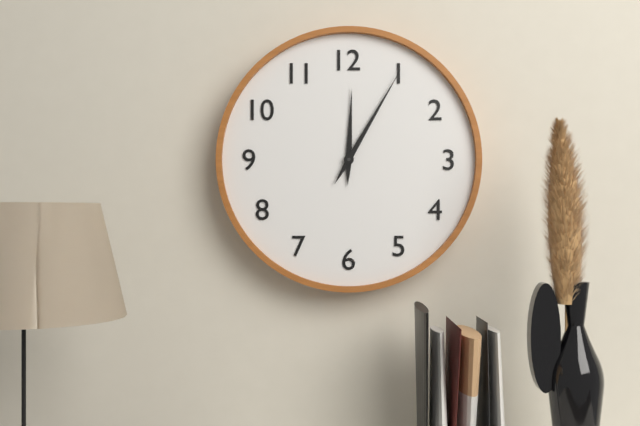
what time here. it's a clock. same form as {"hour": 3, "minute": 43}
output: {"hour": 12, "minute": 5}
